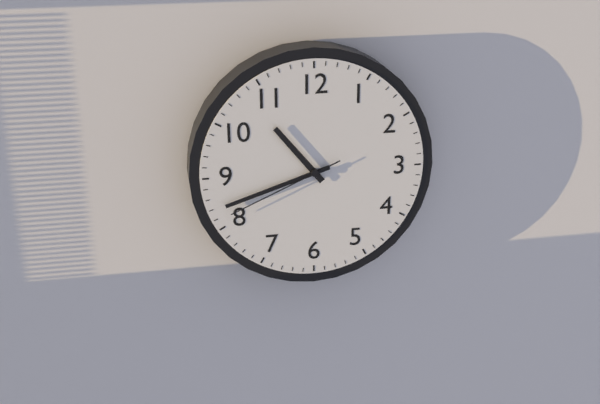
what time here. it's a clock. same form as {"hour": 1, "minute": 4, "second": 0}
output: {"hour": 10, "minute": 42, "second": 41}
